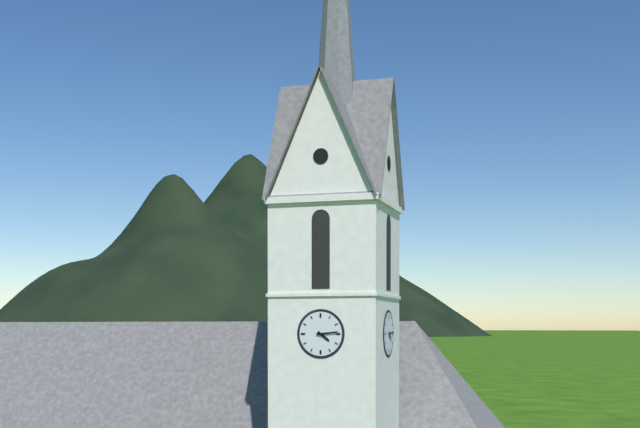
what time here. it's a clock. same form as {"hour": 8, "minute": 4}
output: {"hour": 4, "minute": 14}
